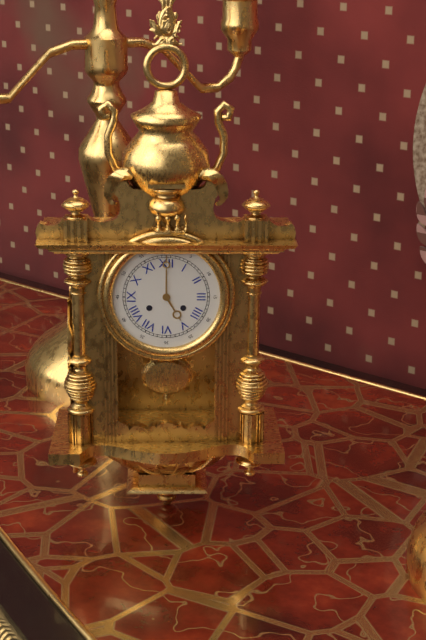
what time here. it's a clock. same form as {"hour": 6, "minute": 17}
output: {"hour": 5, "minute": 0}
